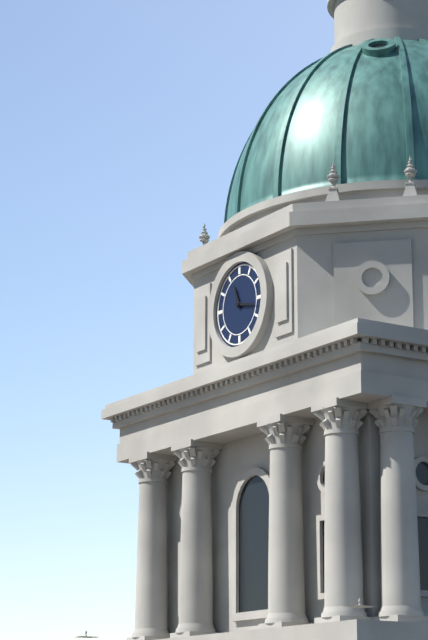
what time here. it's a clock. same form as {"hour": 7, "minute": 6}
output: {"hour": 11, "minute": 17}
